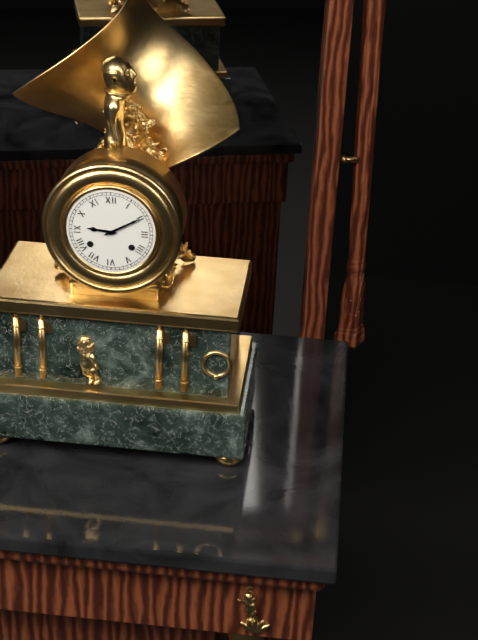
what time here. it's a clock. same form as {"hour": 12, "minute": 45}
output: {"hour": 9, "minute": 10}
